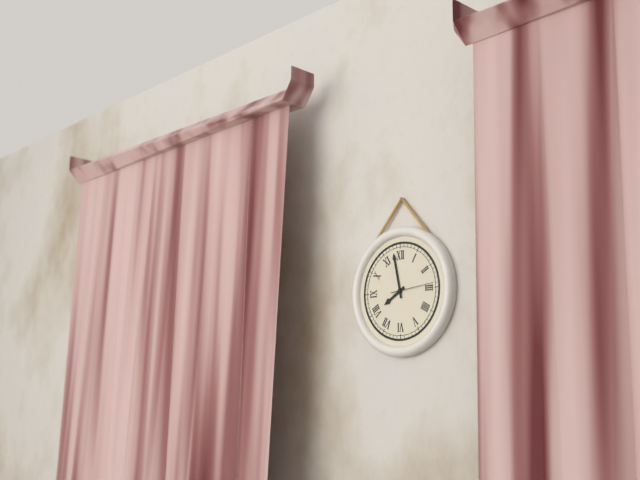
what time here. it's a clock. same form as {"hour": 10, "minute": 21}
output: {"hour": 7, "minute": 58}
